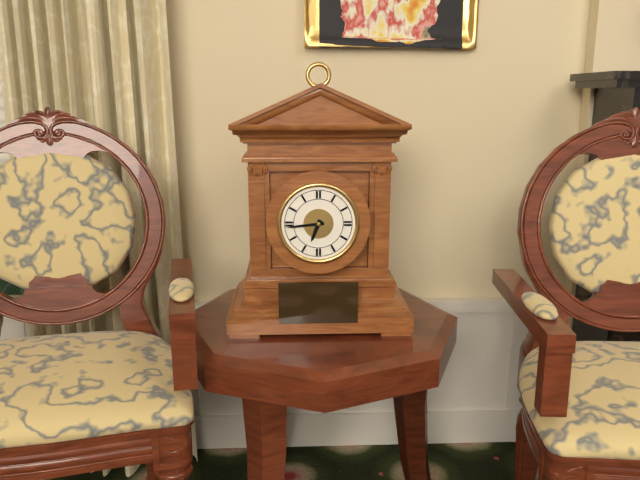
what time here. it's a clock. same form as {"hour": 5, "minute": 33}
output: {"hour": 6, "minute": 44}
